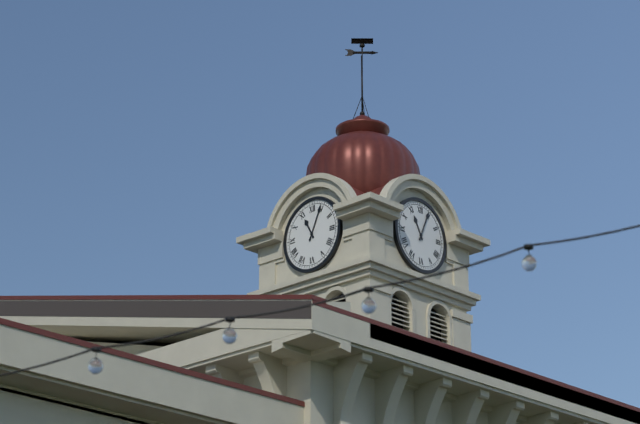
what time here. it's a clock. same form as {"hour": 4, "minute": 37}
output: {"hour": 11, "minute": 4}
